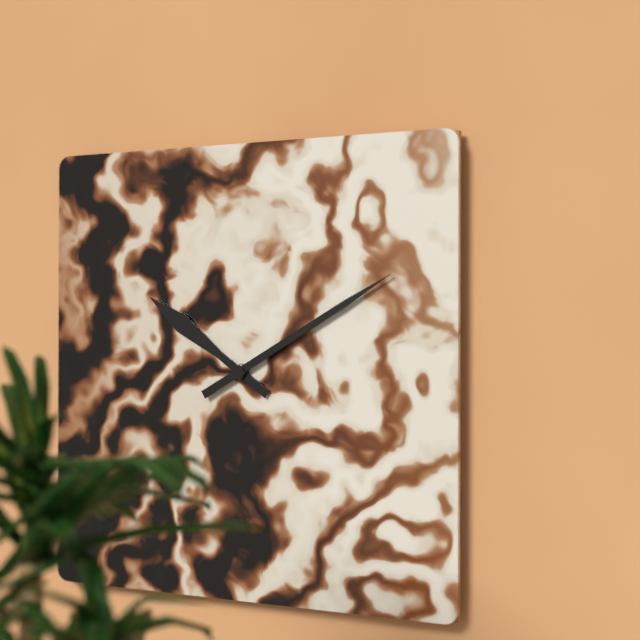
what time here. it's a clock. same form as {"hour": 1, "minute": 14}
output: {"hour": 10, "minute": 10}
